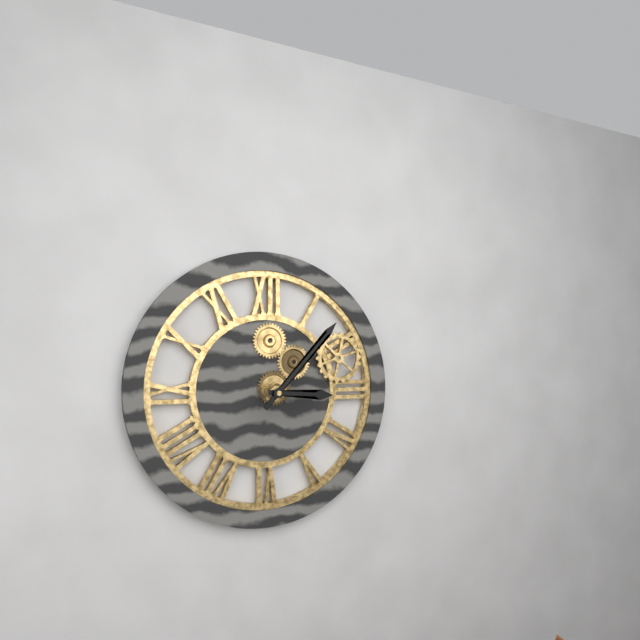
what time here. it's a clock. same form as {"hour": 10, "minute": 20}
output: {"hour": 3, "minute": 7}
